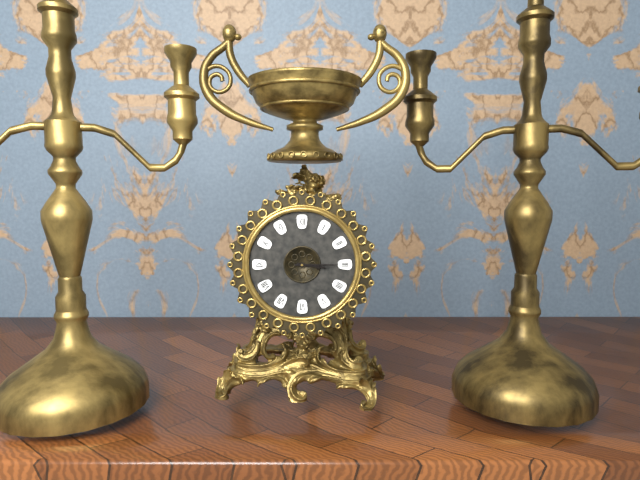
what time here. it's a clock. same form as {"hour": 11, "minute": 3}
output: {"hour": 3, "minute": 15}
